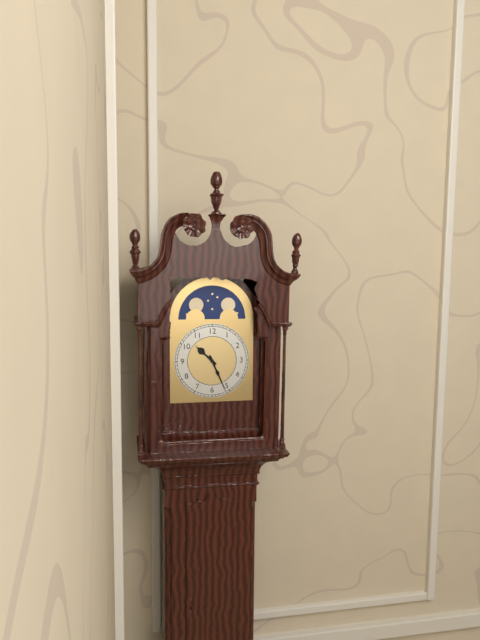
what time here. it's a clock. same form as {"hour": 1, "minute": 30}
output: {"hour": 10, "minute": 26}
